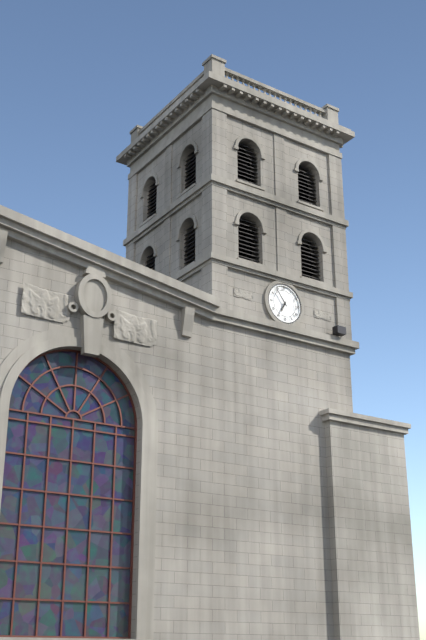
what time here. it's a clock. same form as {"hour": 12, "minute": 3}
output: {"hour": 6, "minute": 54}
